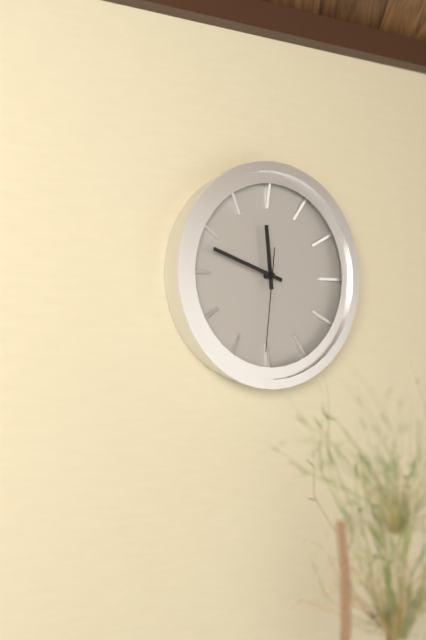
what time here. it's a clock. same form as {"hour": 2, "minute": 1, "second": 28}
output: {"hour": 11, "minute": 48, "second": 31}
